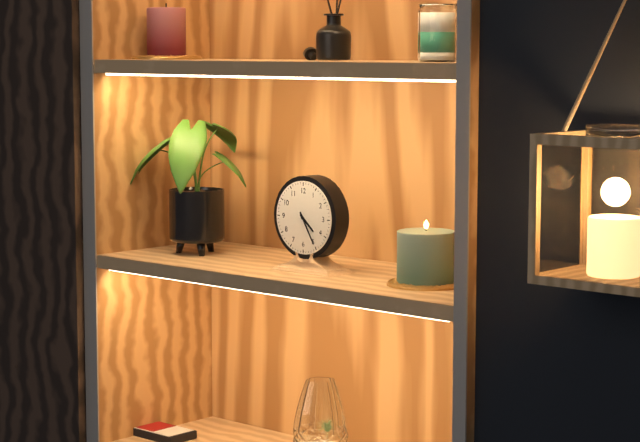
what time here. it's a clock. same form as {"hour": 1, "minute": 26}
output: {"hour": 4, "minute": 25}
